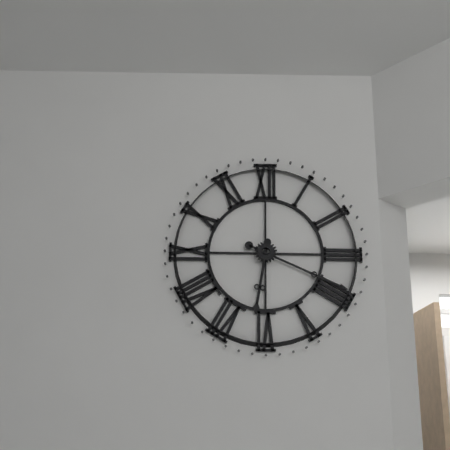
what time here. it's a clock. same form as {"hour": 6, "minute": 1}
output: {"hour": 6, "minute": 19}
